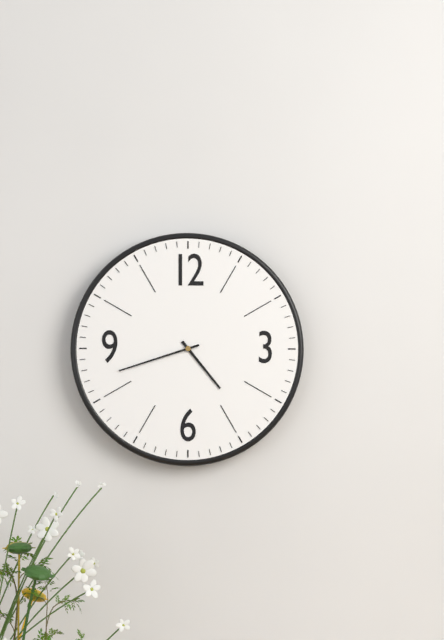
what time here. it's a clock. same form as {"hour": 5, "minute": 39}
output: {"hour": 4, "minute": 42}
